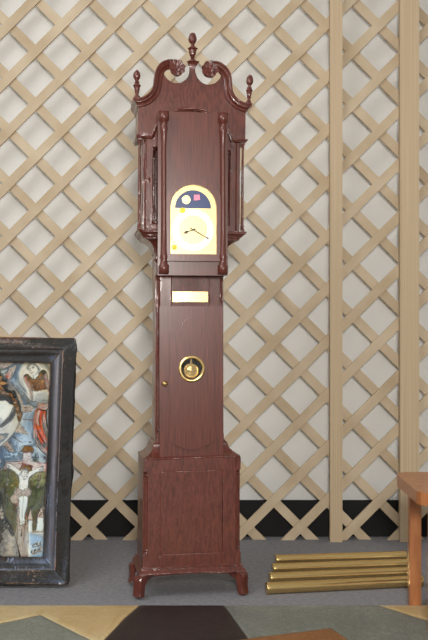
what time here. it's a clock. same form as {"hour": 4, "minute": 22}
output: {"hour": 8, "minute": 20}
